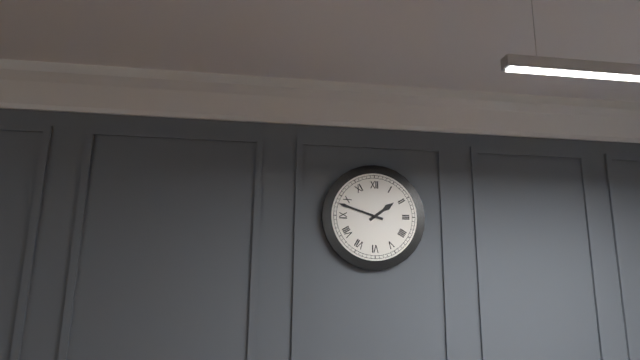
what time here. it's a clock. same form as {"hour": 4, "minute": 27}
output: {"hour": 1, "minute": 48}
